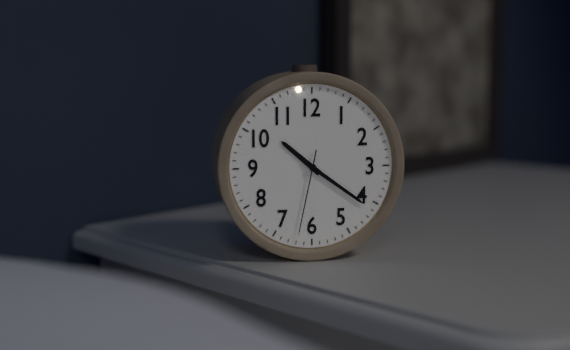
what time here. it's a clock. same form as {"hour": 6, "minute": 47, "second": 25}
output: {"hour": 10, "minute": 21, "second": 32}
